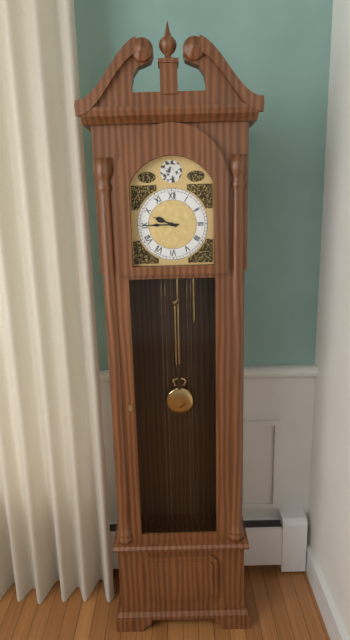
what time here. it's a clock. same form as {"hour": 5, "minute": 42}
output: {"hour": 9, "minute": 45}
